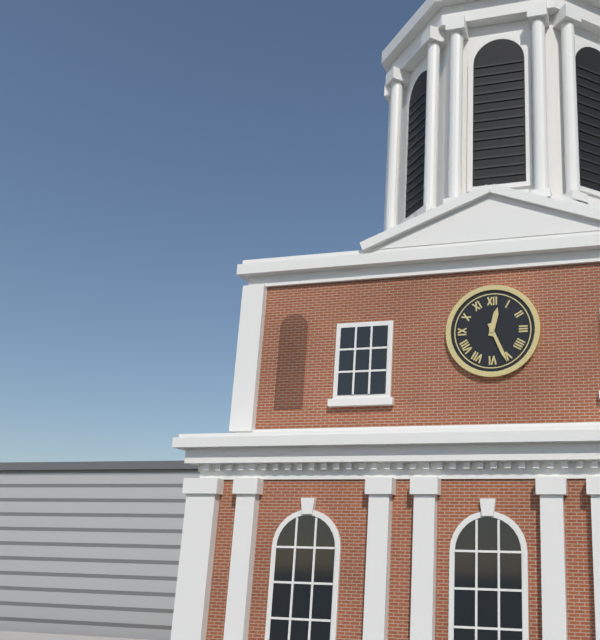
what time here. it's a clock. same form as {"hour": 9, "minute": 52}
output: {"hour": 12, "minute": 26}
